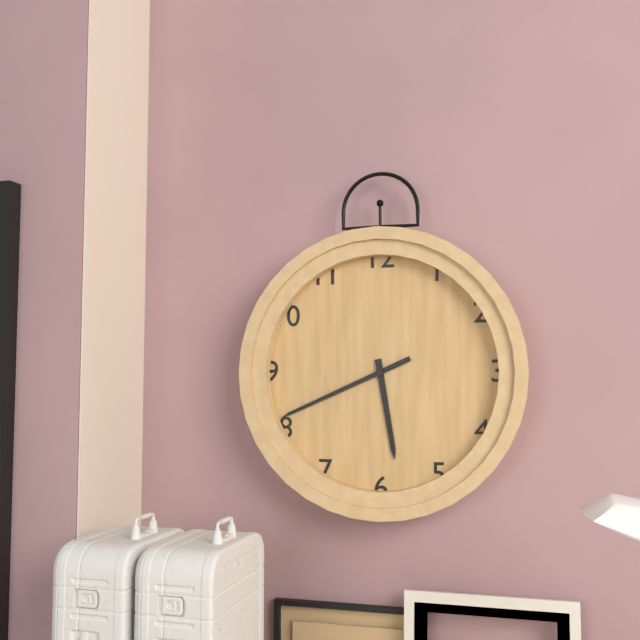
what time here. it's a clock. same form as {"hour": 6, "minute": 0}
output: {"hour": 5, "minute": 41}
